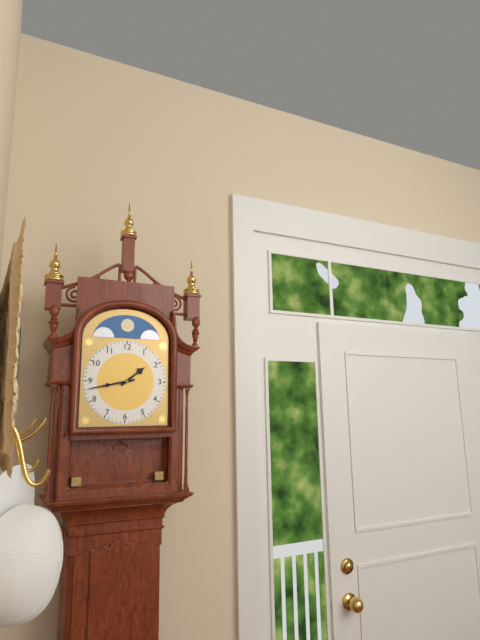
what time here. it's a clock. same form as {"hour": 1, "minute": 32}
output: {"hour": 1, "minute": 43}
